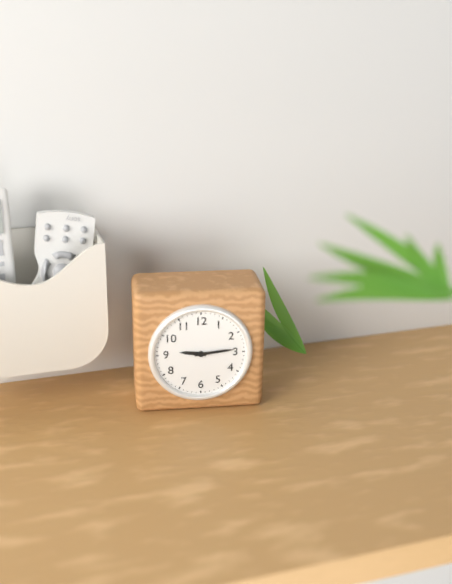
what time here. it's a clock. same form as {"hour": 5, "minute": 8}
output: {"hour": 9, "minute": 14}
